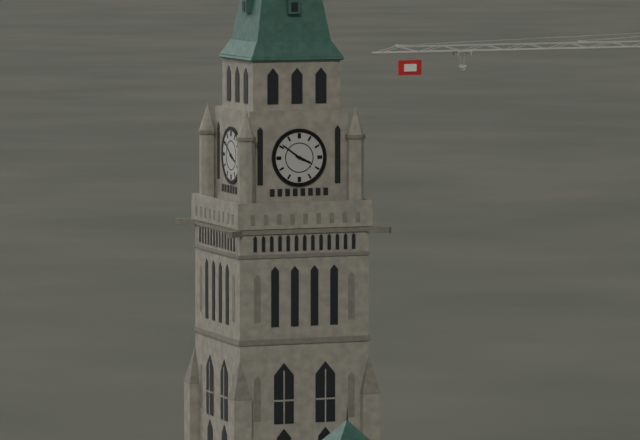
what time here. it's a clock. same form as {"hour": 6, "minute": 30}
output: {"hour": 3, "minute": 51}
